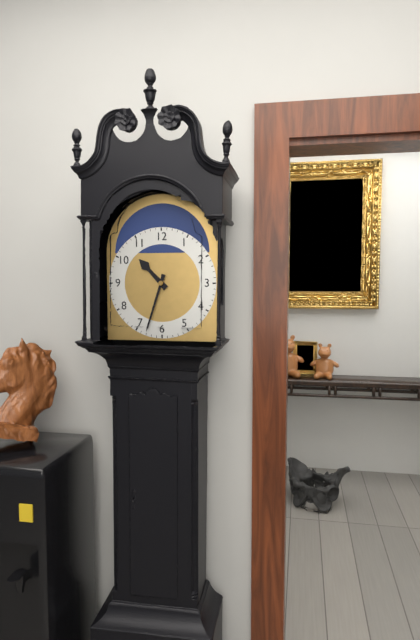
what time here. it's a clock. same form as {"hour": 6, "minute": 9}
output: {"hour": 10, "minute": 33}
